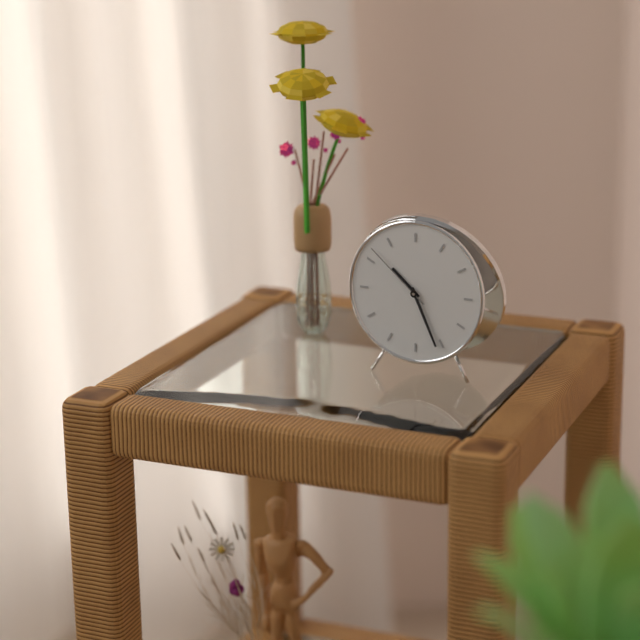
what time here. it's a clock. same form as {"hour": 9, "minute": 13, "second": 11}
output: {"hour": 10, "minute": 26, "second": 52}
